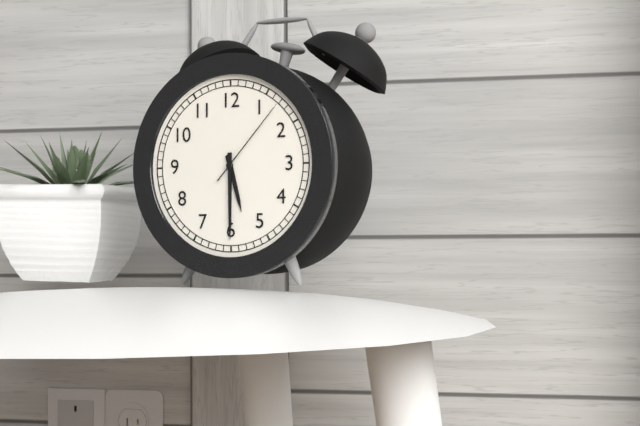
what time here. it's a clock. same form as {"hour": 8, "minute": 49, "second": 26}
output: {"hour": 5, "minute": 30, "second": 7}
